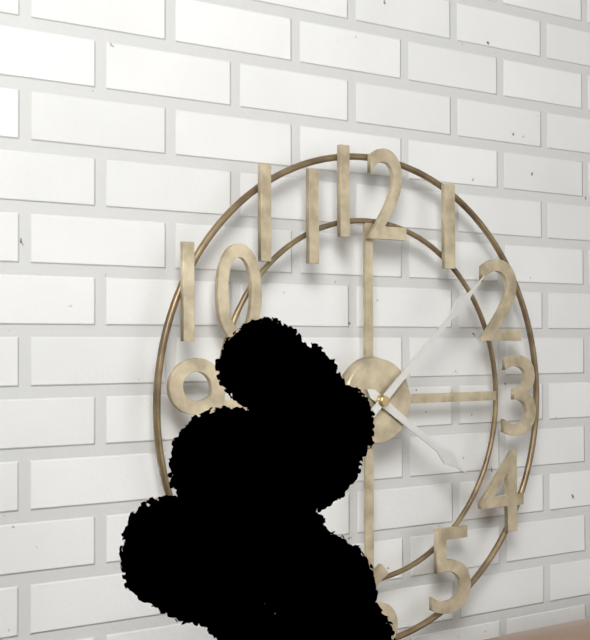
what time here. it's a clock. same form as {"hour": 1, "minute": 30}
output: {"hour": 4, "minute": 8}
